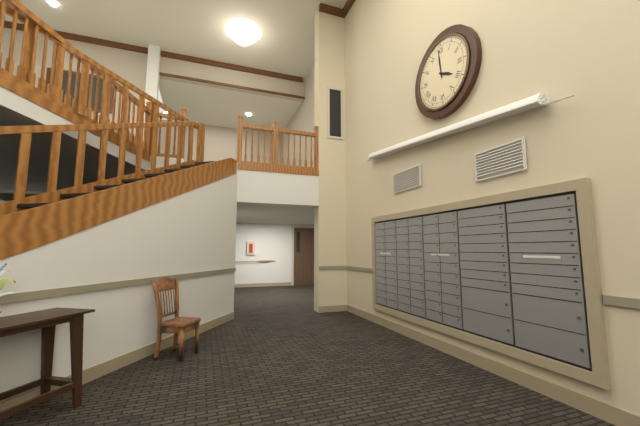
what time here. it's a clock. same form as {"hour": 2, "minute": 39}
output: {"hour": 3, "minute": 59}
